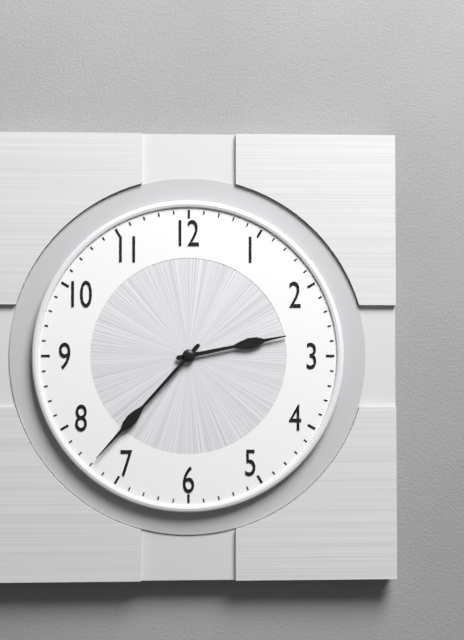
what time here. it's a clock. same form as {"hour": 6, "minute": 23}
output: {"hour": 2, "minute": 37}
